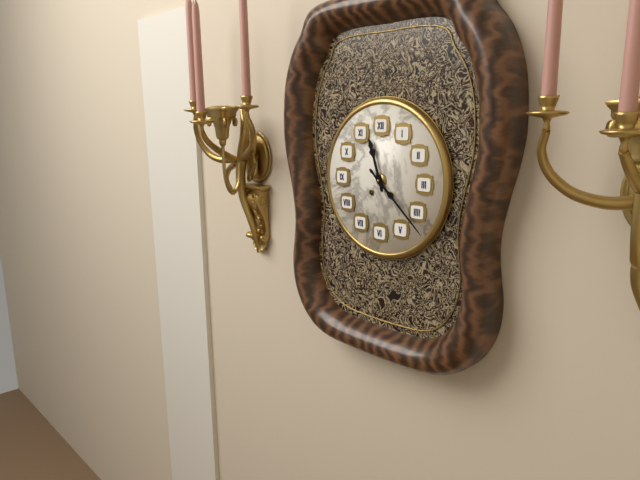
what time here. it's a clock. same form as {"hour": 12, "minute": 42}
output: {"hour": 11, "minute": 22}
